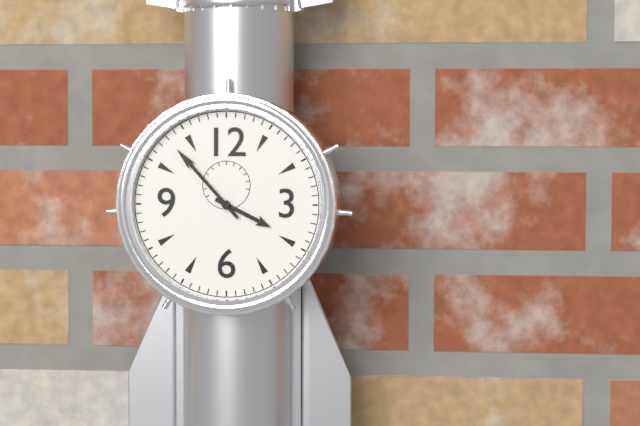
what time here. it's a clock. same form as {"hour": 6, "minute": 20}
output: {"hour": 3, "minute": 53}
